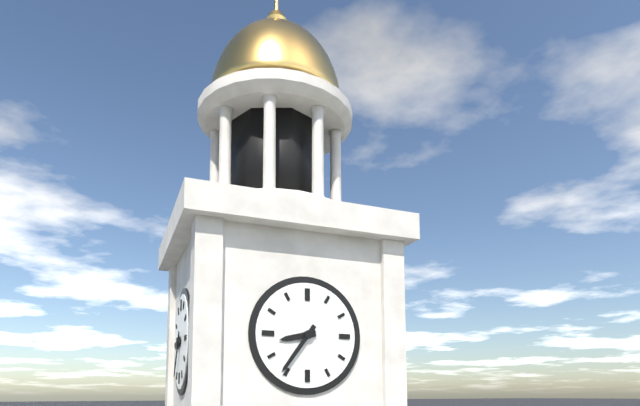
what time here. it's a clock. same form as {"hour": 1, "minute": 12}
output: {"hour": 8, "minute": 36}
